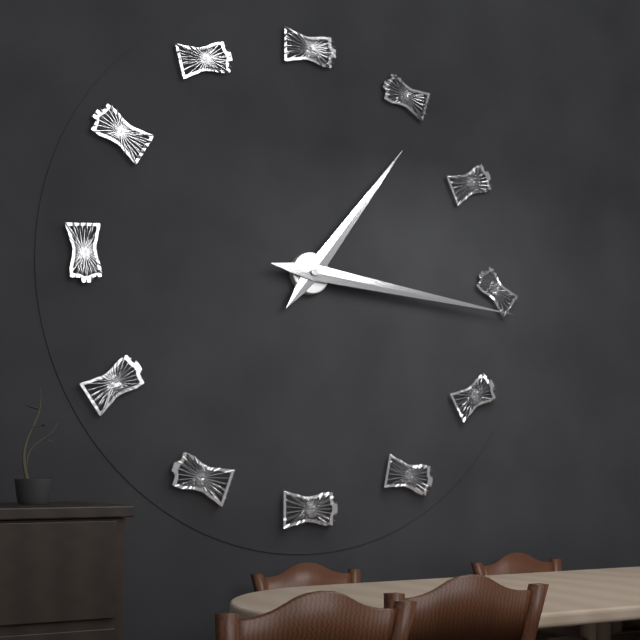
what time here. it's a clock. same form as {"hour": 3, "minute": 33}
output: {"hour": 1, "minute": 16}
